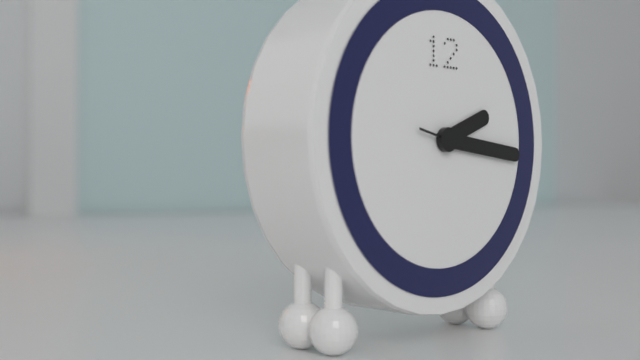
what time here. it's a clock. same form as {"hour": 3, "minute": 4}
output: {"hour": 2, "minute": 16}
